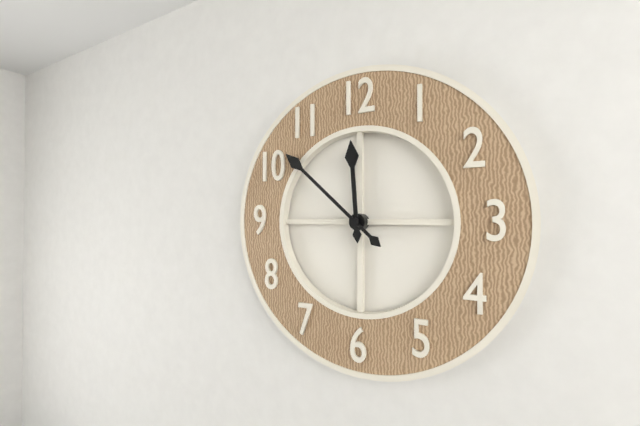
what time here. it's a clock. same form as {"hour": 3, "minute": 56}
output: {"hour": 11, "minute": 52}
